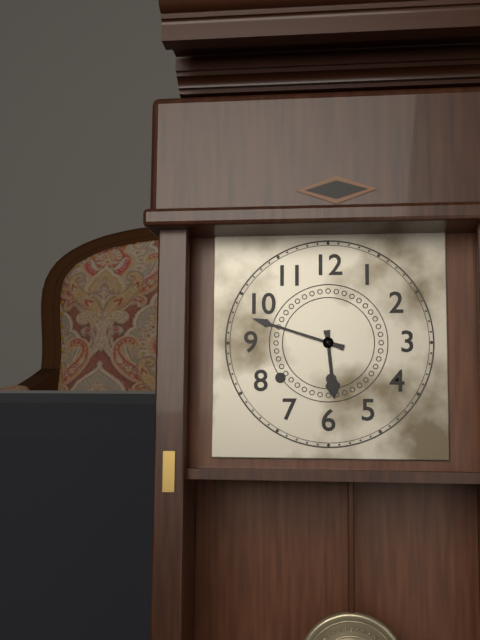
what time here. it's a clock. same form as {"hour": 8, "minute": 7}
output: {"hour": 5, "minute": 48}
